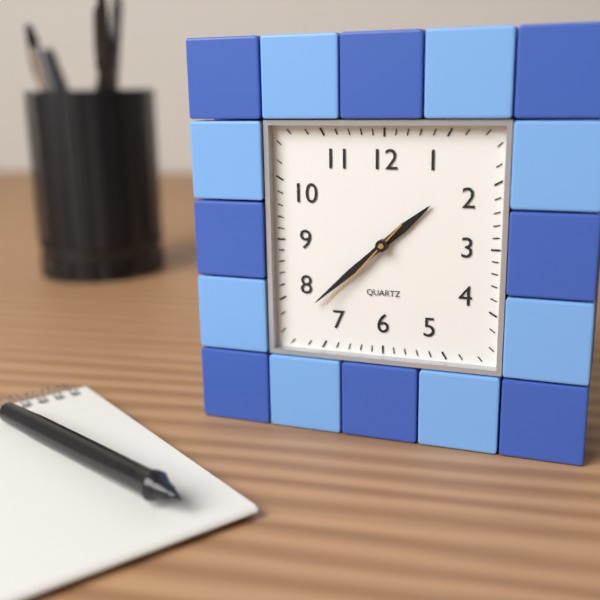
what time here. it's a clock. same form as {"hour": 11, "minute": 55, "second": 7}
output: {"hour": 1, "minute": 38, "second": 37}
